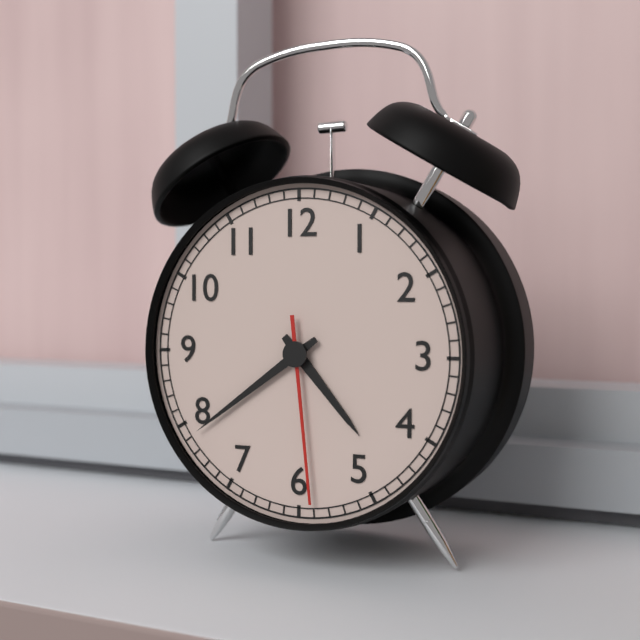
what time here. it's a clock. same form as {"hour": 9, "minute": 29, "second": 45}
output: {"hour": 4, "minute": 39, "second": 29}
